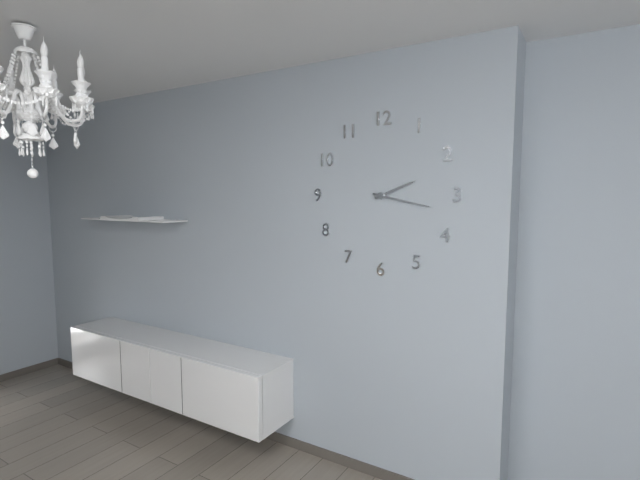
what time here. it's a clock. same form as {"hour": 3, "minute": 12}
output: {"hour": 2, "minute": 17}
